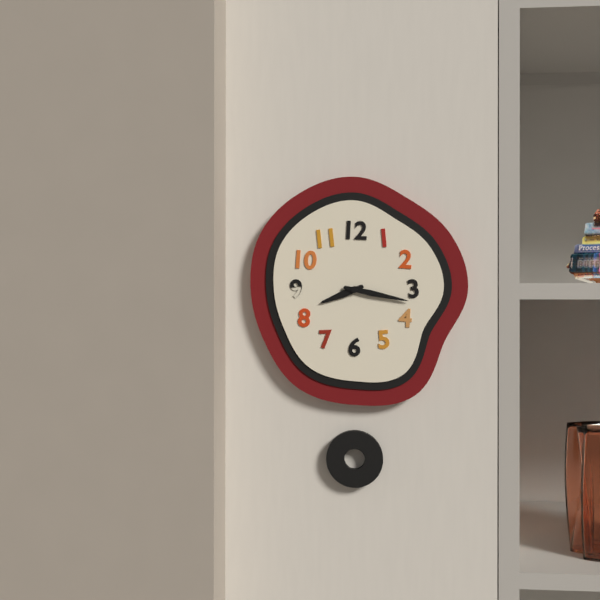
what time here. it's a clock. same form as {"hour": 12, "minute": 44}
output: {"hour": 8, "minute": 17}
